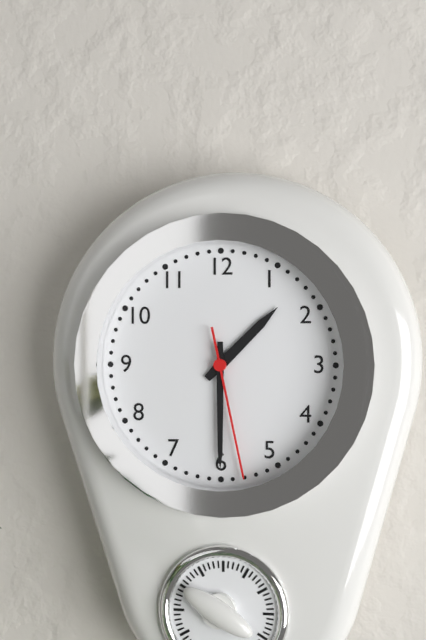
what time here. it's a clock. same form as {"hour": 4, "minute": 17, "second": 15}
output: {"hour": 1, "minute": 30, "second": 28}
